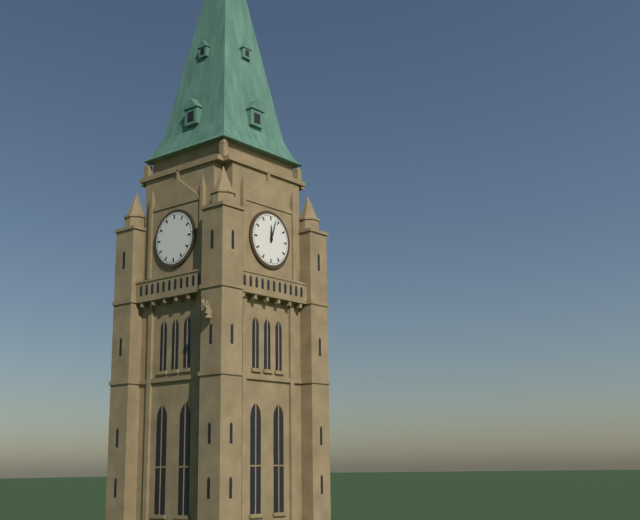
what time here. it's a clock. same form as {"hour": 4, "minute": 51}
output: {"hour": 12, "minute": 3}
